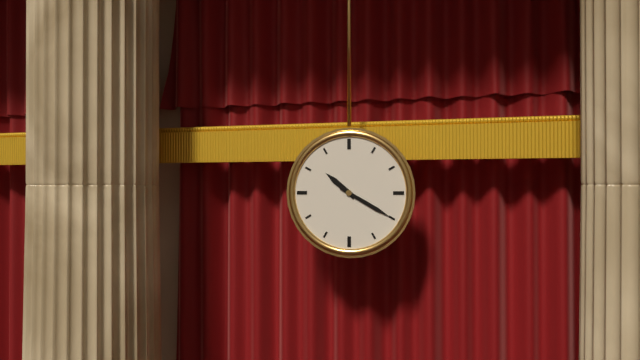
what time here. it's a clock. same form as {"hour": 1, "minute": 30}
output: {"hour": 10, "minute": 20}
